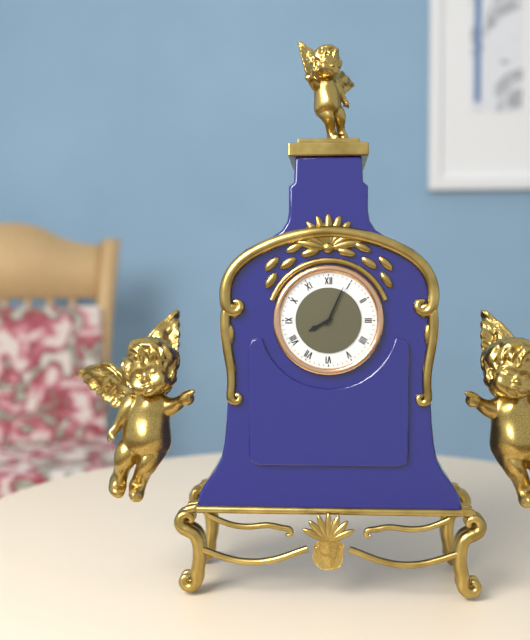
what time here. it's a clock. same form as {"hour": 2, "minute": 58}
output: {"hour": 8, "minute": 4}
